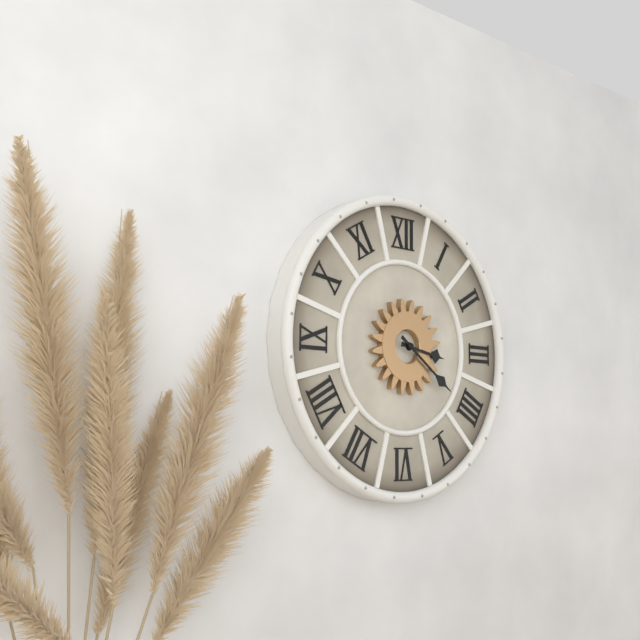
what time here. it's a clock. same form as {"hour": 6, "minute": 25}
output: {"hour": 3, "minute": 21}
